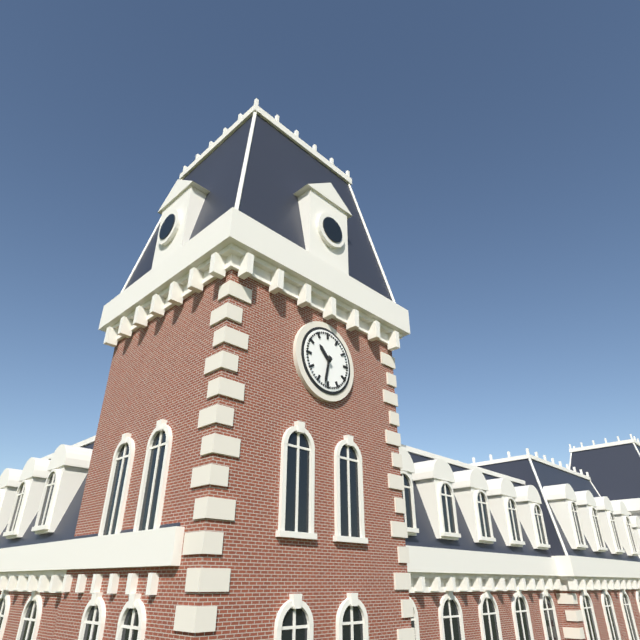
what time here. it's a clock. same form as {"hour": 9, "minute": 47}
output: {"hour": 10, "minute": 32}
